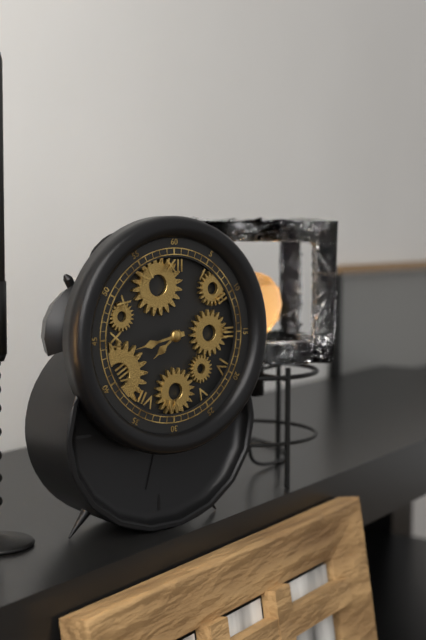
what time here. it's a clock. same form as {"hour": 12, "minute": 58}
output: {"hour": 7, "minute": 43}
